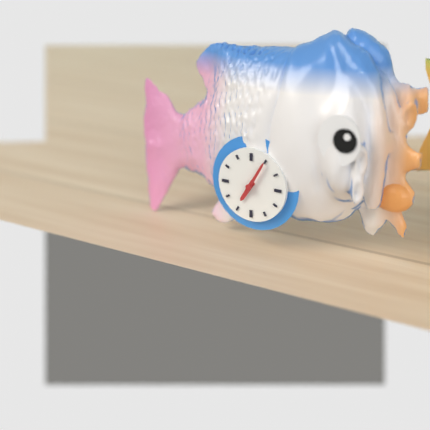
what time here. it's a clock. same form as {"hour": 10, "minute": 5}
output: {"hour": 7, "minute": 5}
